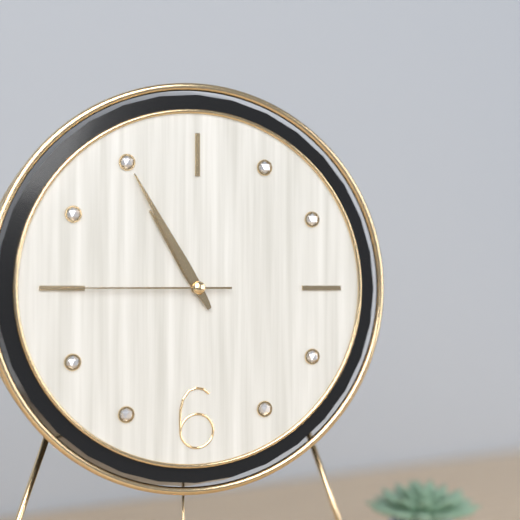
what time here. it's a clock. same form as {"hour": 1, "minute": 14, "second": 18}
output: {"hour": 10, "minute": 55, "second": 45}
